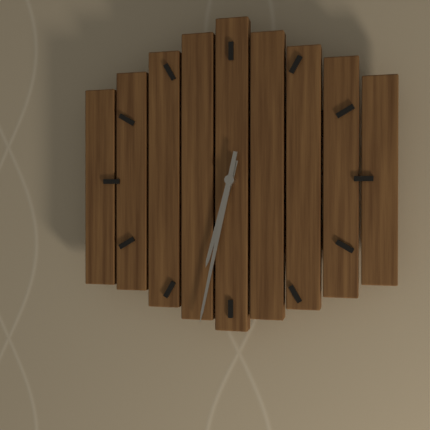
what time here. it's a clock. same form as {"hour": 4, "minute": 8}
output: {"hour": 6, "minute": 32}
